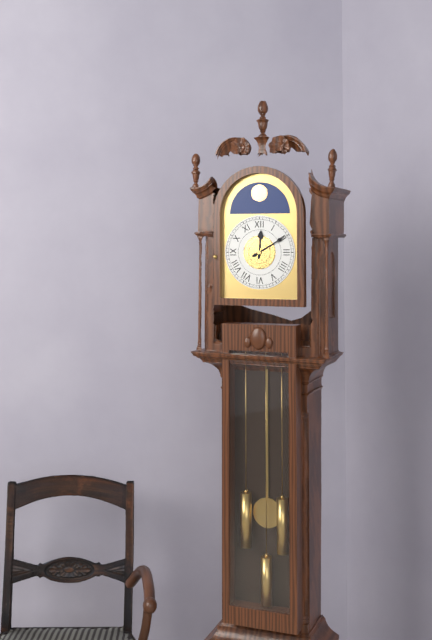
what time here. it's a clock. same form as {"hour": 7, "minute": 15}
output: {"hour": 12, "minute": 10}
